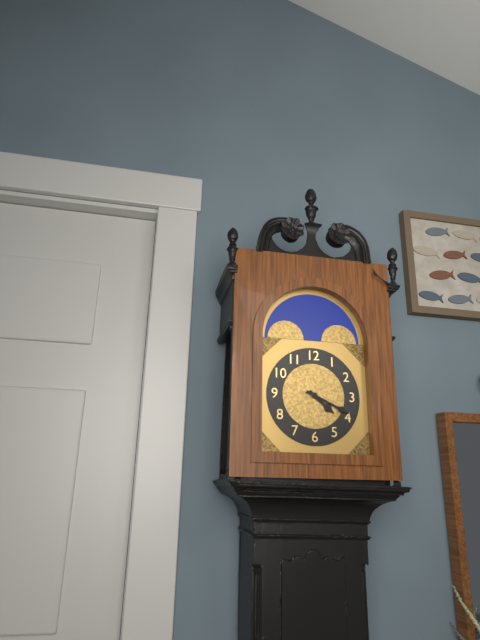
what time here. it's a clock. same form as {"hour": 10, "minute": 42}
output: {"hour": 4, "minute": 19}
